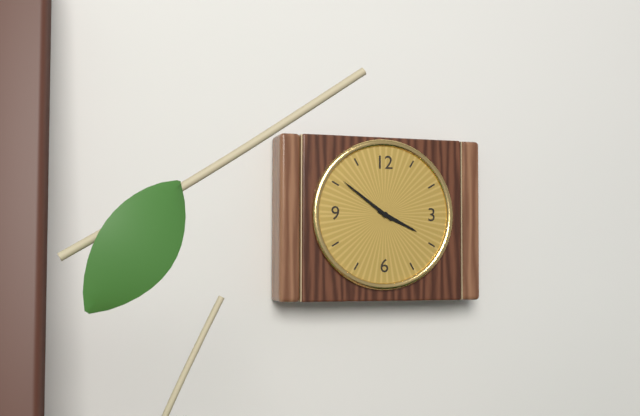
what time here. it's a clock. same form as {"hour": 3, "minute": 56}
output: {"hour": 3, "minute": 51}
